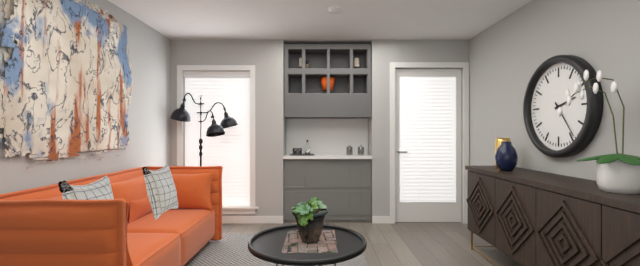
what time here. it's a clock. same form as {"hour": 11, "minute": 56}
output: {"hour": 2, "minute": 24}
